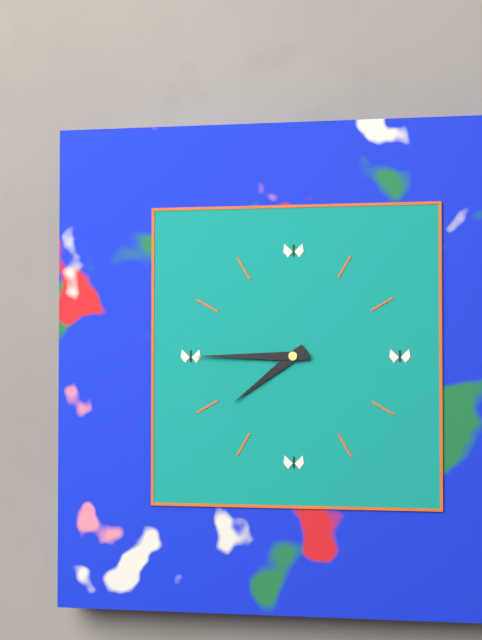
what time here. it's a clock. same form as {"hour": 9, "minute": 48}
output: {"hour": 7, "minute": 45}
